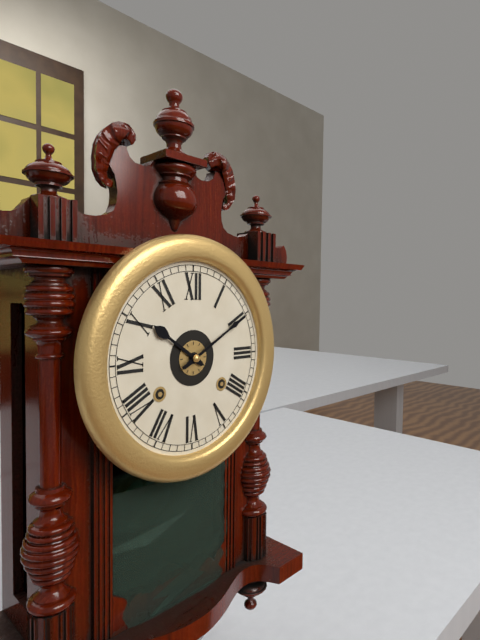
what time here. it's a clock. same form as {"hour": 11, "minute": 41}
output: {"hour": 10, "minute": 10}
